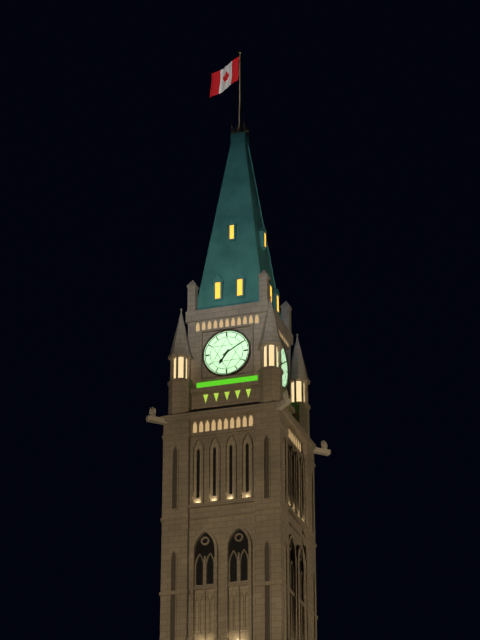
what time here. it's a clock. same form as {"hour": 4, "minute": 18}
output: {"hour": 7, "minute": 10}
